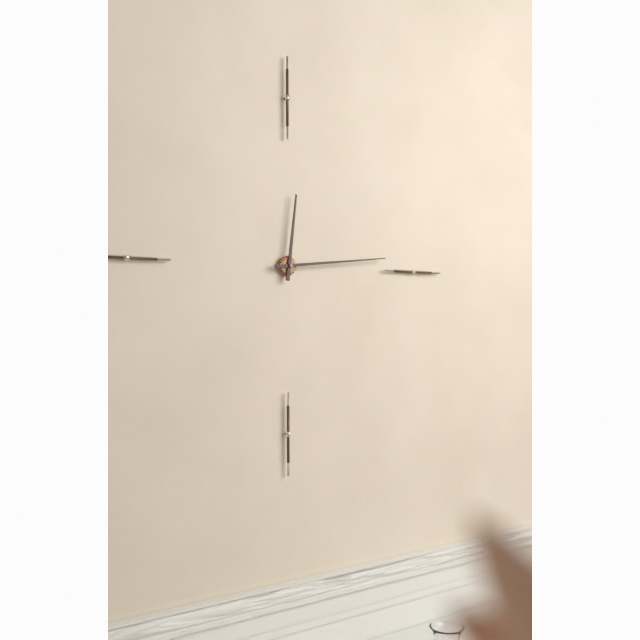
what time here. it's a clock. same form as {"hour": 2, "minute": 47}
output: {"hour": 12, "minute": 14}
